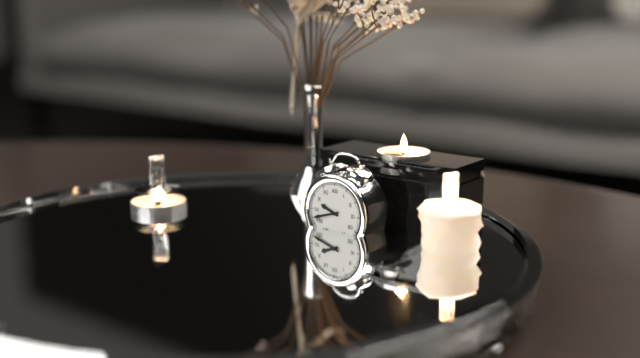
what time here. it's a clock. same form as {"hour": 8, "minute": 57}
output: {"hour": 9, "minute": 42}
